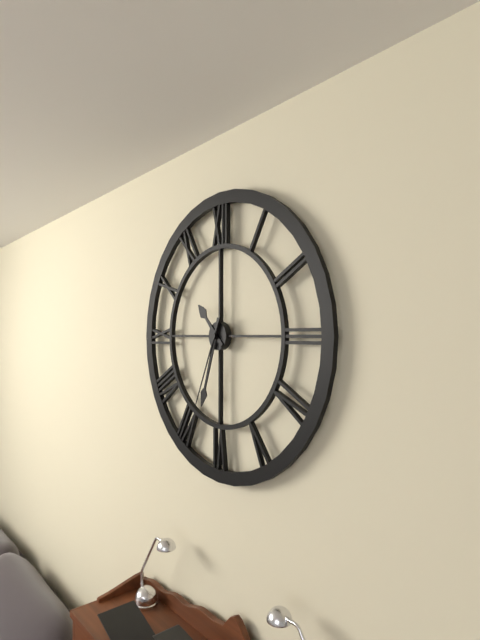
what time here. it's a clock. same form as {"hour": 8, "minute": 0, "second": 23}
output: {"hour": 10, "minute": 33, "second": 34}
